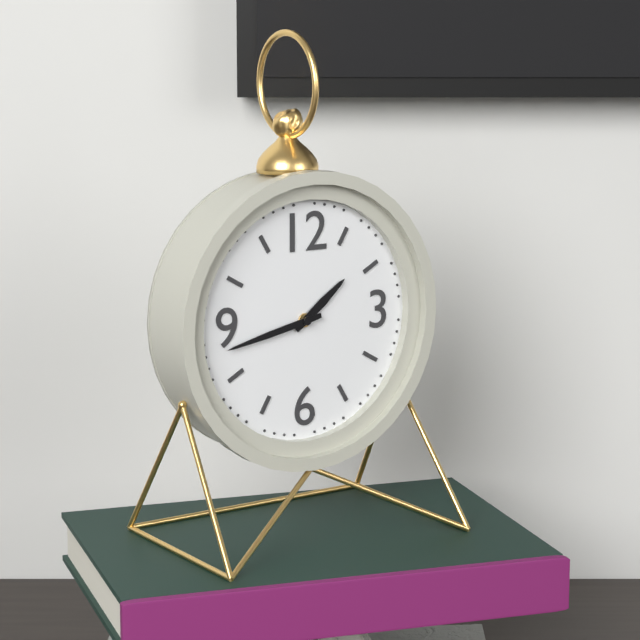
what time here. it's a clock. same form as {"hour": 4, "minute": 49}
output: {"hour": 1, "minute": 43}
